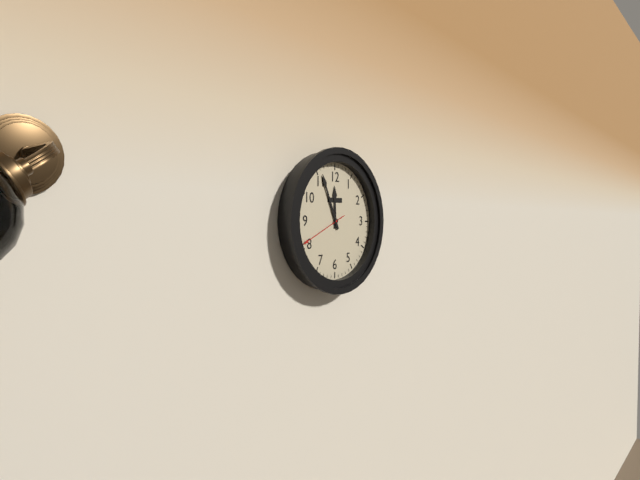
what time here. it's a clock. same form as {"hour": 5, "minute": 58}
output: {"hour": 11, "minute": 56}
